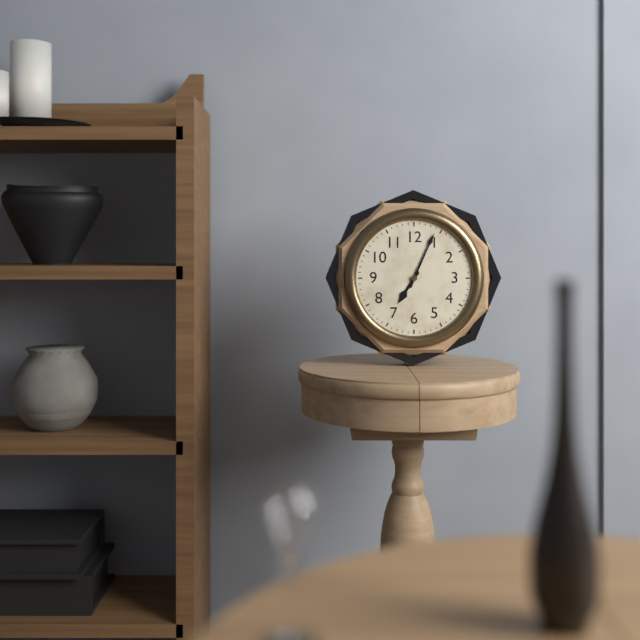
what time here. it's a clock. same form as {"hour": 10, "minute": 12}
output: {"hour": 7, "minute": 4}
